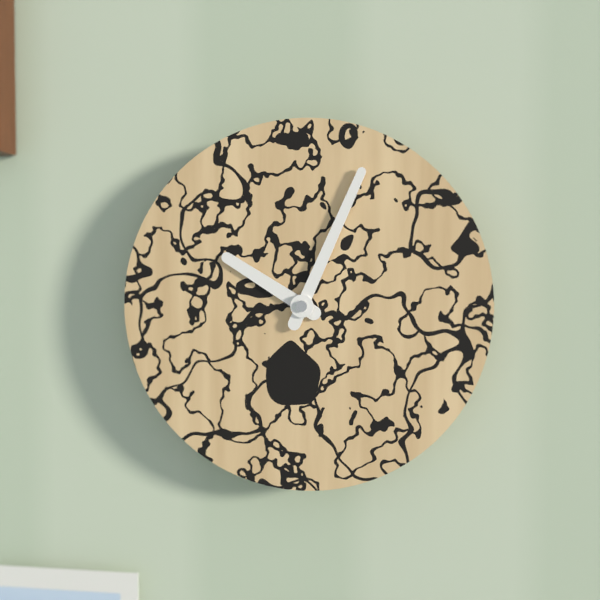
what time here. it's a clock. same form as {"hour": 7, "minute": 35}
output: {"hour": 10, "minute": 4}
